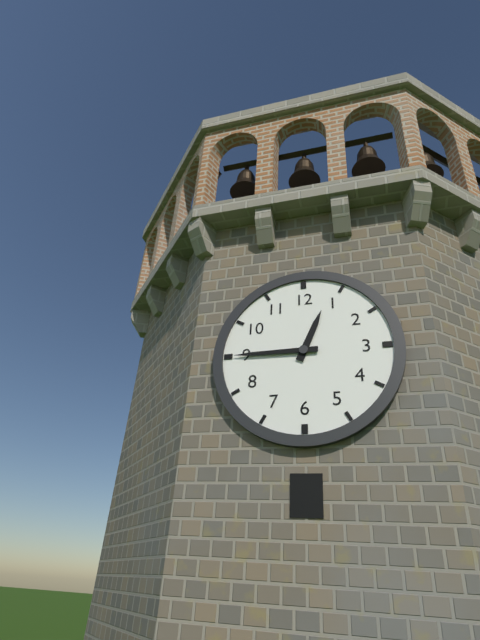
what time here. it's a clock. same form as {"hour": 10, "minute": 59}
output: {"hour": 12, "minute": 45}
